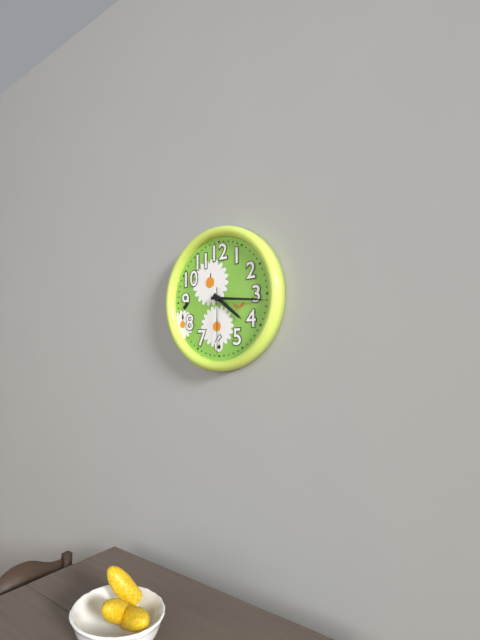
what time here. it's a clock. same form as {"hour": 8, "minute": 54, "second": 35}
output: {"hour": 4, "minute": 16, "second": 30}
